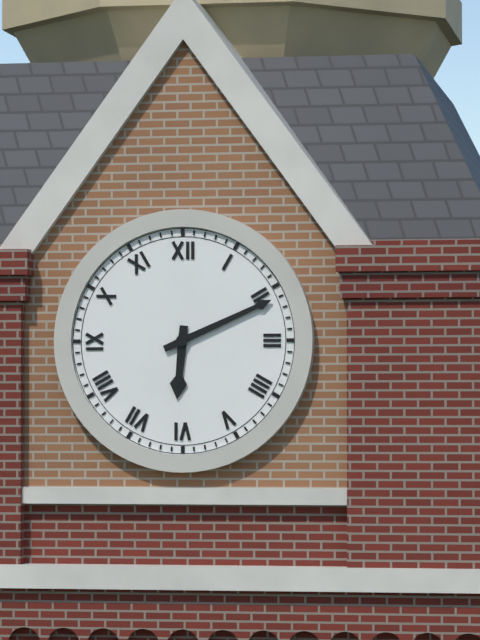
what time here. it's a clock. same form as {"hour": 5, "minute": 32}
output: {"hour": 6, "minute": 11}
